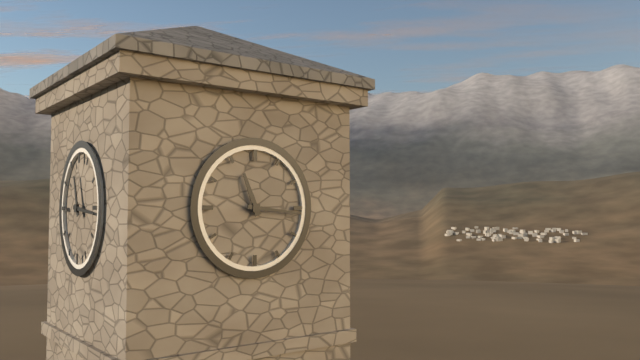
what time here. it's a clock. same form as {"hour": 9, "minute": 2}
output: {"hour": 11, "minute": 16}
